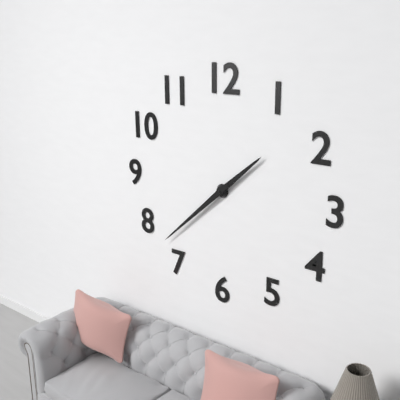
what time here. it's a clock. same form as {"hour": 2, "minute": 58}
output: {"hour": 1, "minute": 38}
